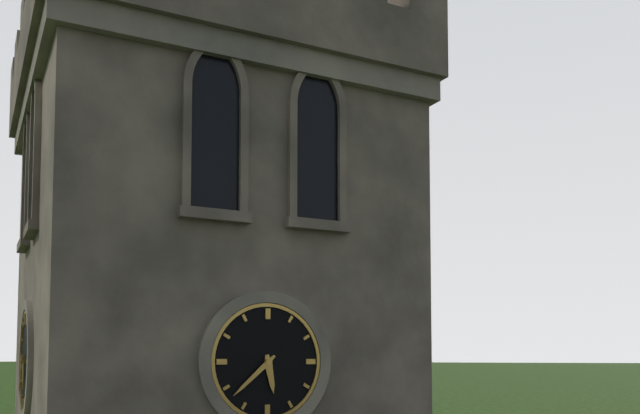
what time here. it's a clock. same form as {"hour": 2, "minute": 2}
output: {"hour": 5, "minute": 38}
